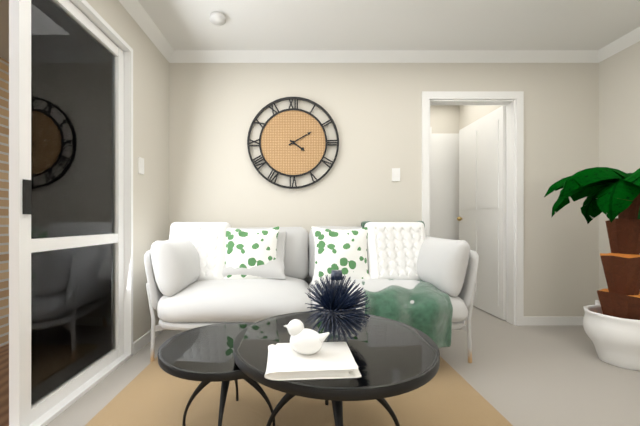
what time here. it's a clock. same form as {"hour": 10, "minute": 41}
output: {"hour": 4, "minute": 10}
